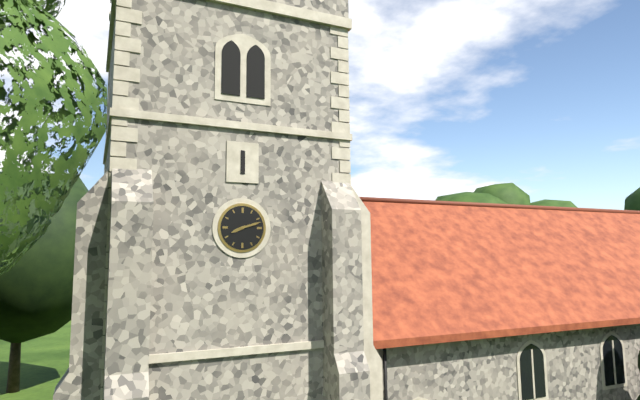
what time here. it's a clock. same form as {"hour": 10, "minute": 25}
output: {"hour": 8, "minute": 12}
